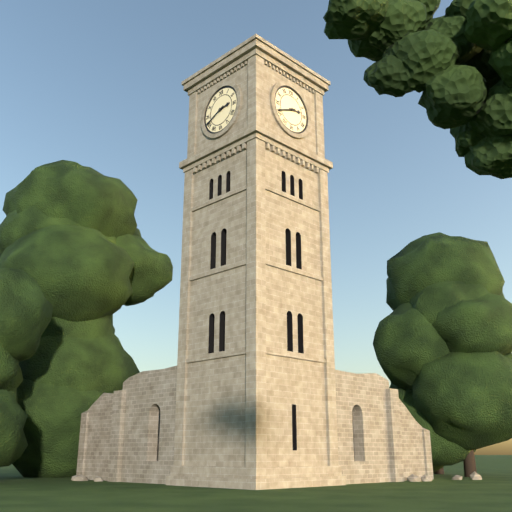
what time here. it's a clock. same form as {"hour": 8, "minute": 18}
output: {"hour": 2, "minute": 41}
